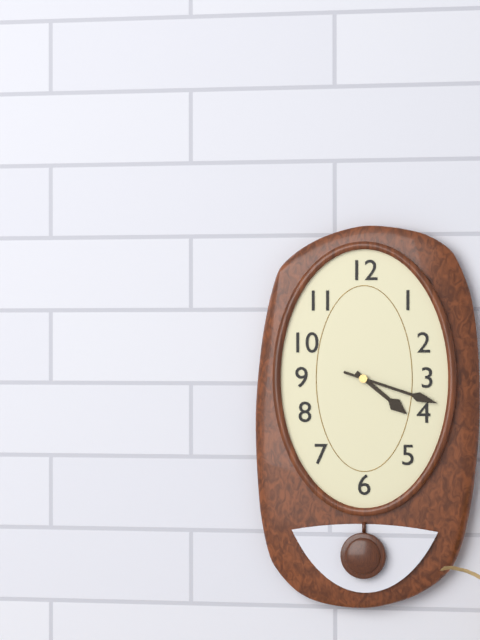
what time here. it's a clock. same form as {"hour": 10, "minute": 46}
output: {"hour": 4, "minute": 18}
